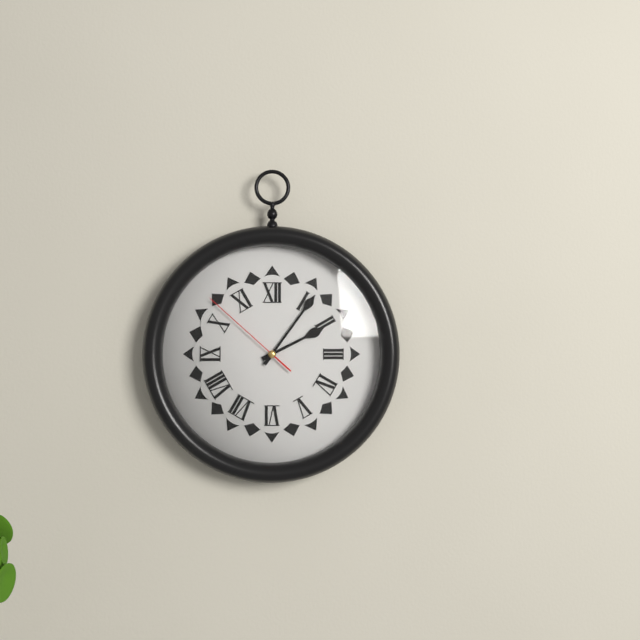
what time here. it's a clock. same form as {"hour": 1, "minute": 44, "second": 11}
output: {"hour": 2, "minute": 6, "second": 52}
